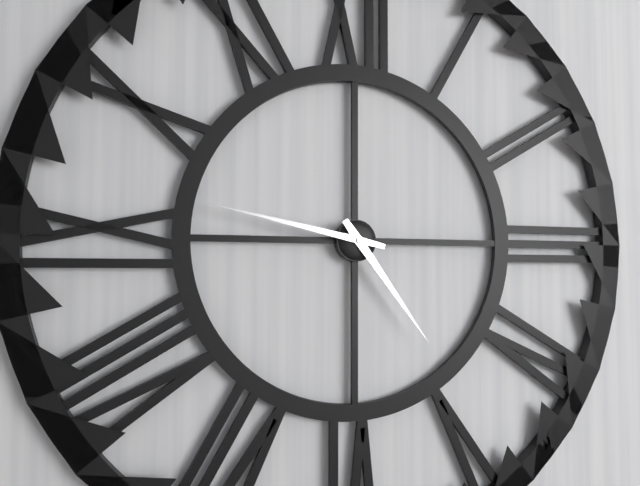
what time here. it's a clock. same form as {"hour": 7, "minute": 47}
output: {"hour": 4, "minute": 47}
